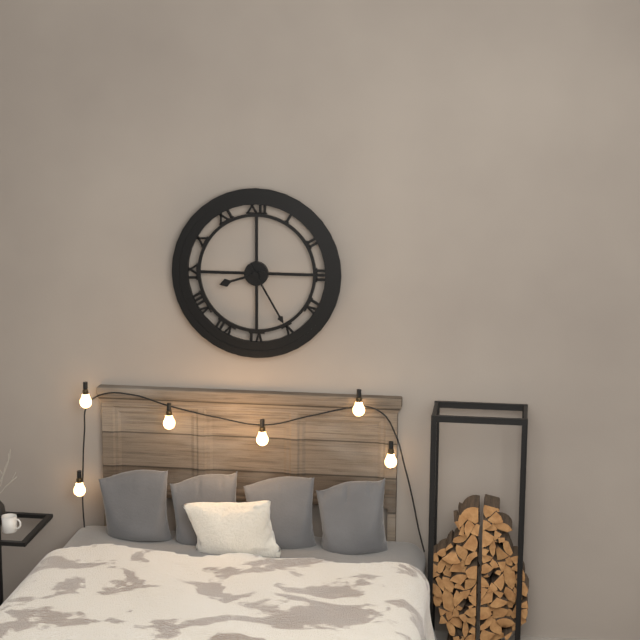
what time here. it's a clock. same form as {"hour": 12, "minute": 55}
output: {"hour": 8, "minute": 25}
